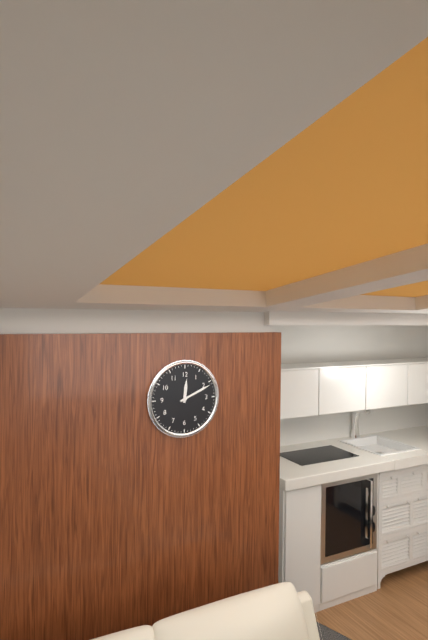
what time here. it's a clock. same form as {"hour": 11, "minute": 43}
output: {"hour": 12, "minute": 11}
